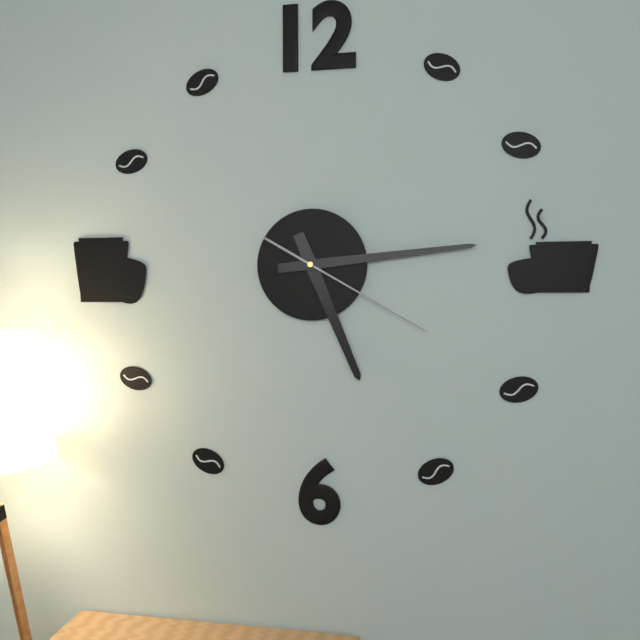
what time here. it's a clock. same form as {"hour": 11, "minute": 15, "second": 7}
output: {"hour": 5, "minute": 14, "second": 20}
